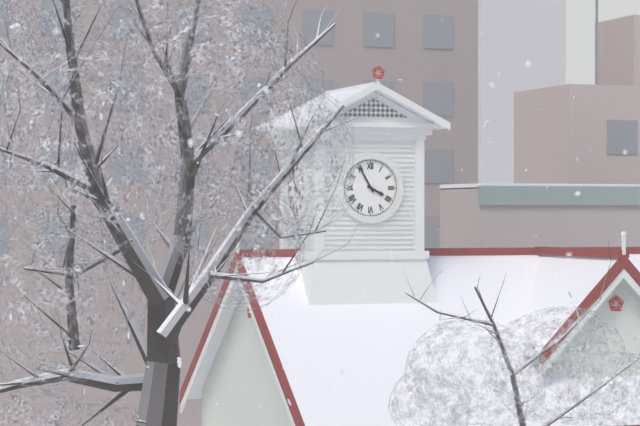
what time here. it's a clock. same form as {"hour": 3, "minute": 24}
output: {"hour": 3, "minute": 55}
